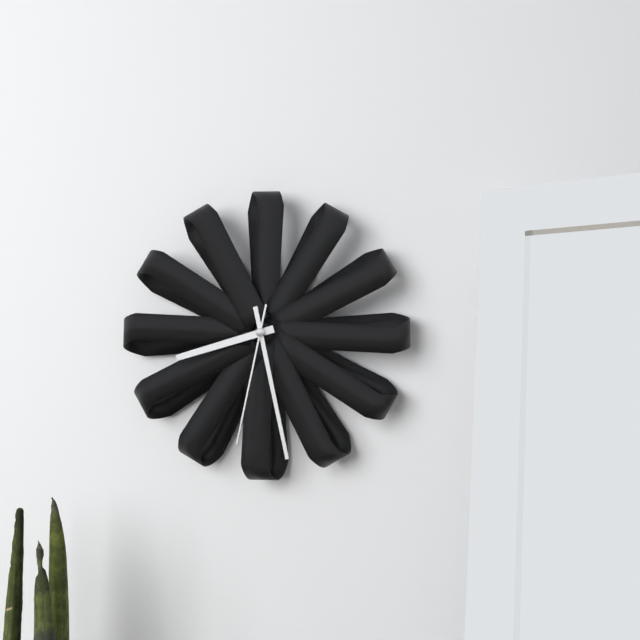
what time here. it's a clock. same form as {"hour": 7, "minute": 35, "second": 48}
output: {"hour": 8, "minute": 28, "second": 32}
